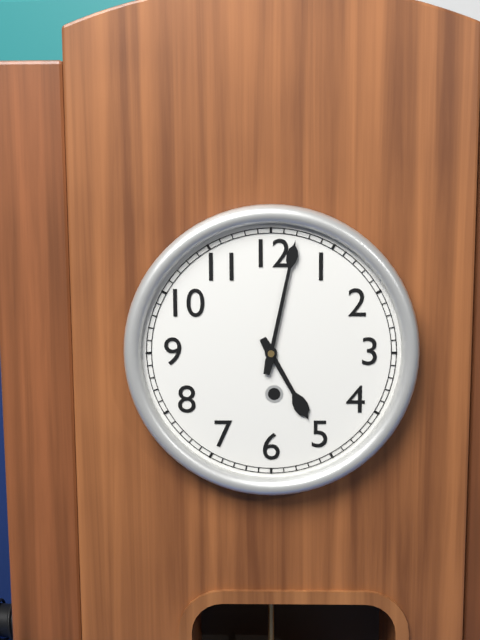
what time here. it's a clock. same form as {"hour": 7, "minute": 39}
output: {"hour": 5, "minute": 2}
